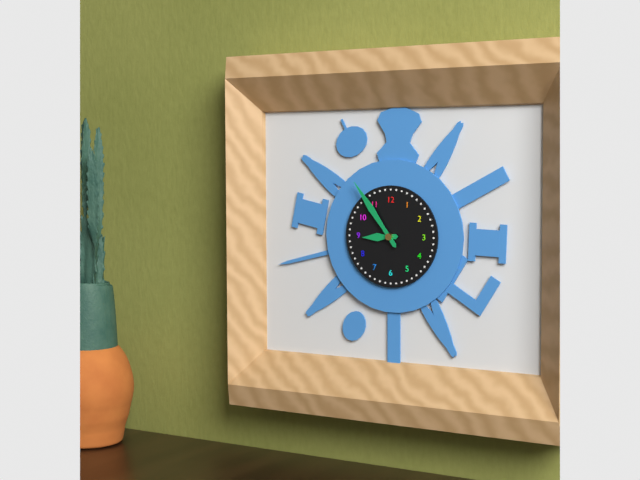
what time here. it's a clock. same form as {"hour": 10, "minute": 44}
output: {"hour": 8, "minute": 54}
